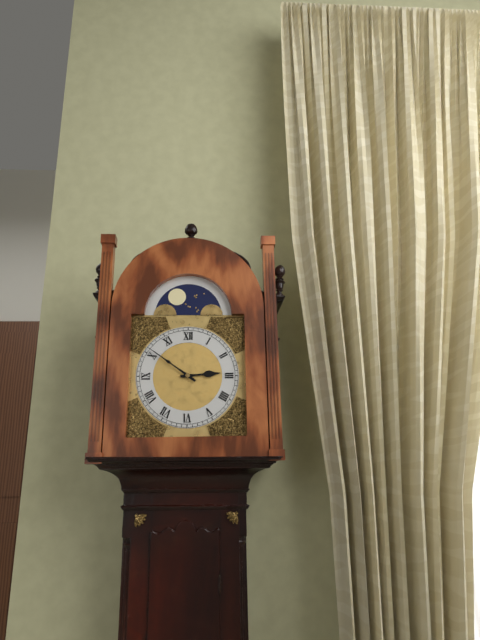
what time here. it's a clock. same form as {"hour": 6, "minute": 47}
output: {"hour": 2, "minute": 51}
